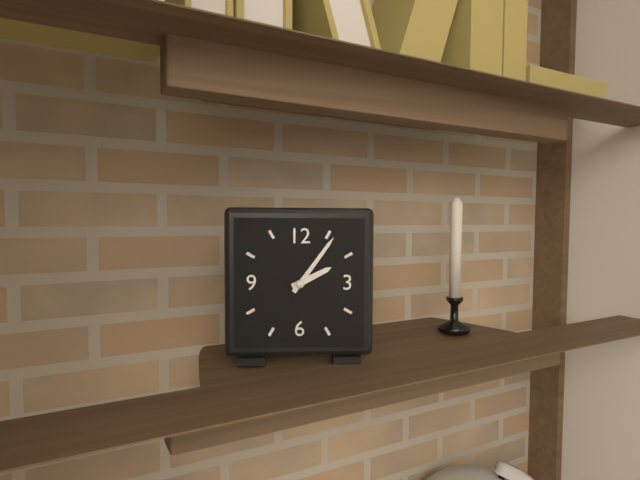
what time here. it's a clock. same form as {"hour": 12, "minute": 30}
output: {"hour": 2, "minute": 6}
